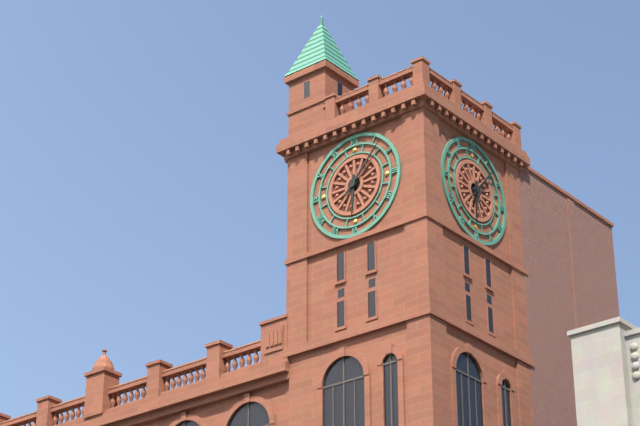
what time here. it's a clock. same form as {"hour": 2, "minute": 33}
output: {"hour": 6, "minute": 7}
